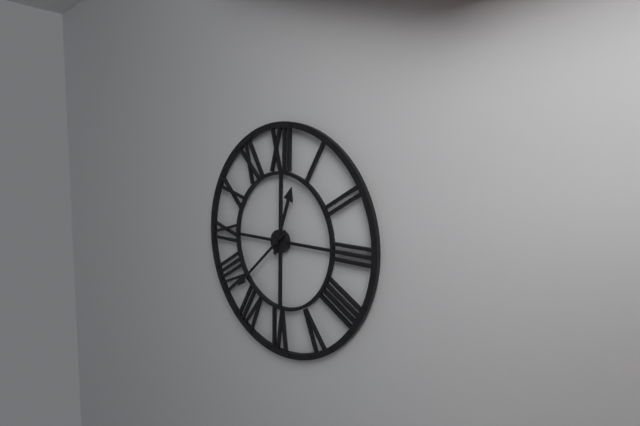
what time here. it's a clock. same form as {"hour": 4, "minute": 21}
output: {"hour": 12, "minute": 38}
